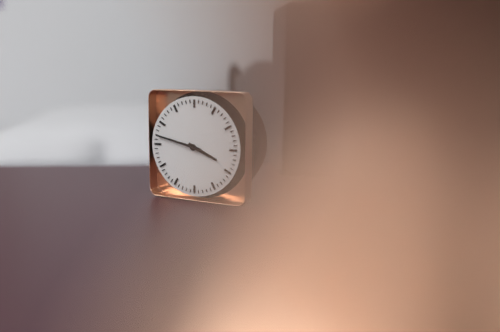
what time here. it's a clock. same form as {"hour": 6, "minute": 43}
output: {"hour": 3, "minute": 47}
